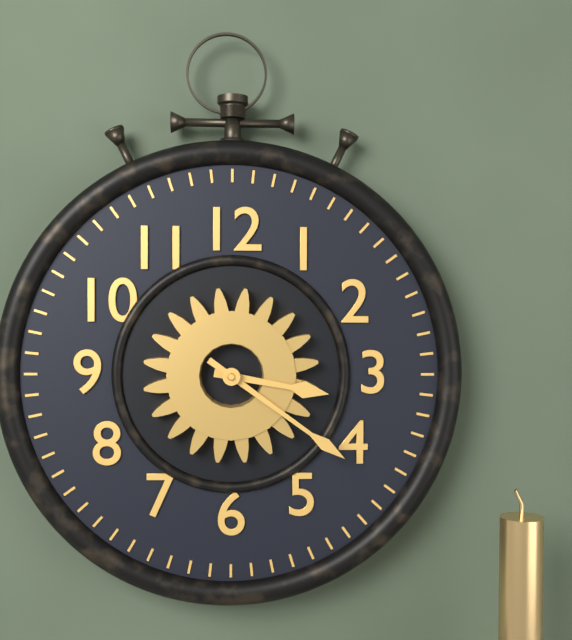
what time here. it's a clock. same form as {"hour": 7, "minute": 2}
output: {"hour": 3, "minute": 21}
